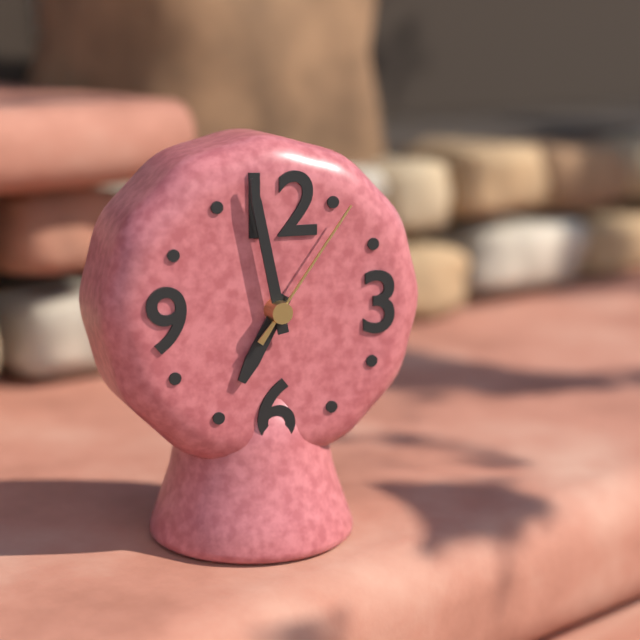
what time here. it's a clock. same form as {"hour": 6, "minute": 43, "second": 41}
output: {"hour": 6, "minute": 58, "second": 6}
